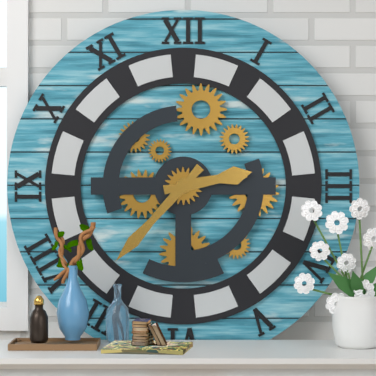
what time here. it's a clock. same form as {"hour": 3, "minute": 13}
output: {"hour": 2, "minute": 37}
